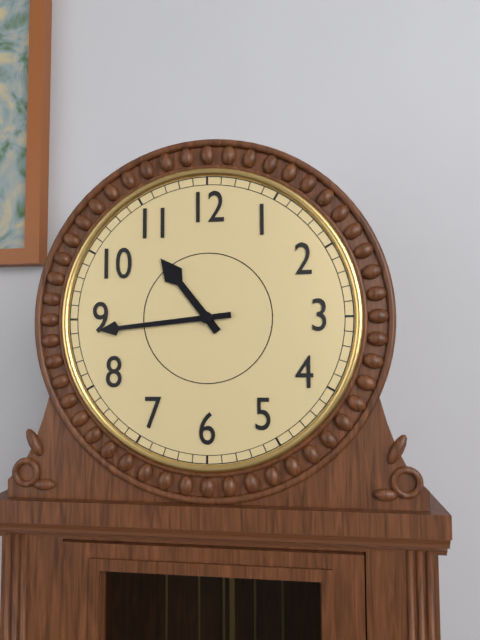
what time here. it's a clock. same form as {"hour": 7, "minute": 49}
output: {"hour": 10, "minute": 44}
